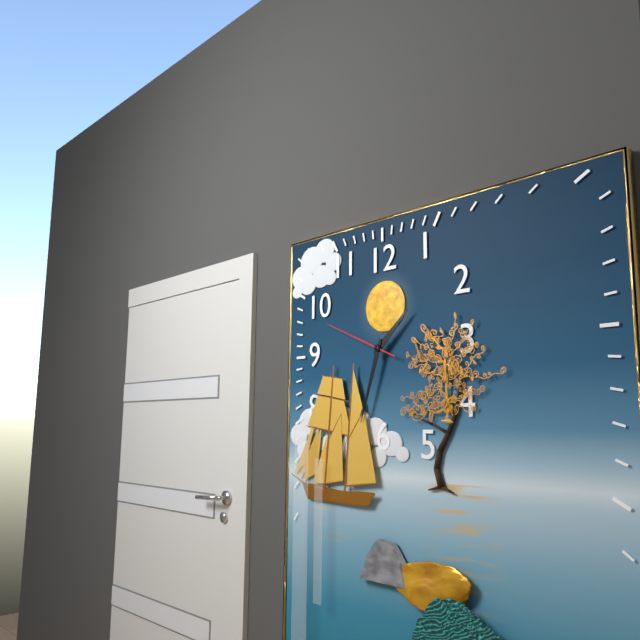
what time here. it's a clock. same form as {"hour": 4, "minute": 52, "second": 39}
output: {"hour": 1, "minute": 33, "second": 49}
